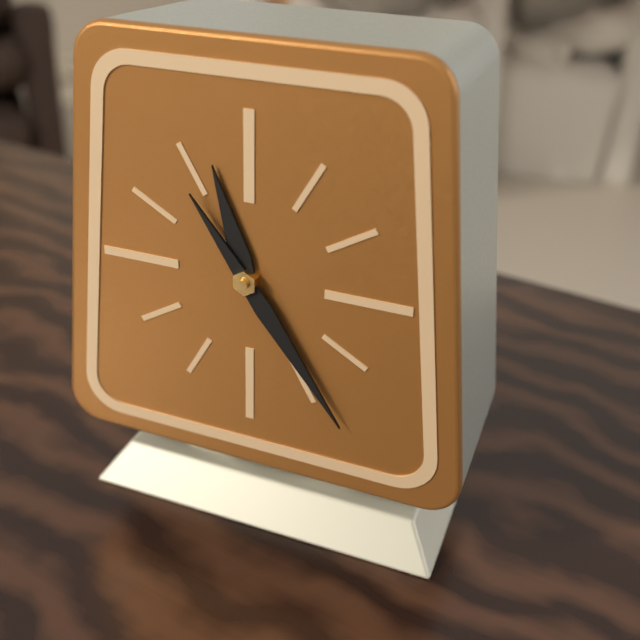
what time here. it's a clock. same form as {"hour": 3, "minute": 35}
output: {"hour": 11, "minute": 24}
